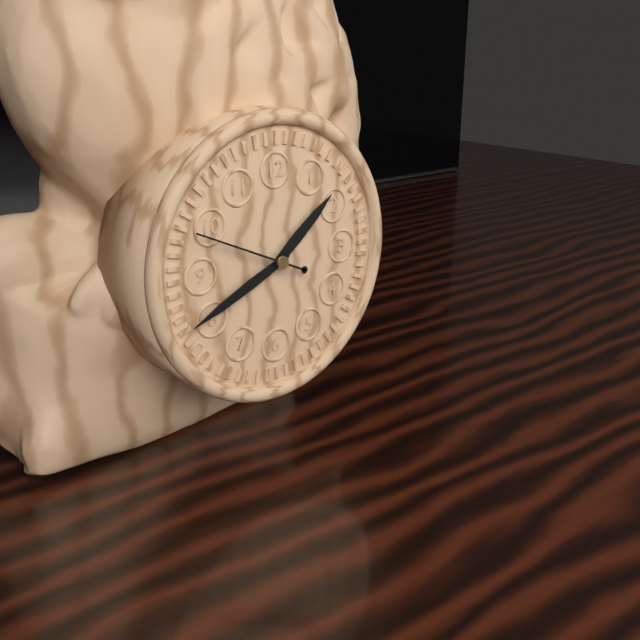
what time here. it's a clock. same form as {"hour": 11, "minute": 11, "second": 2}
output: {"hour": 1, "minute": 41, "second": 49}
